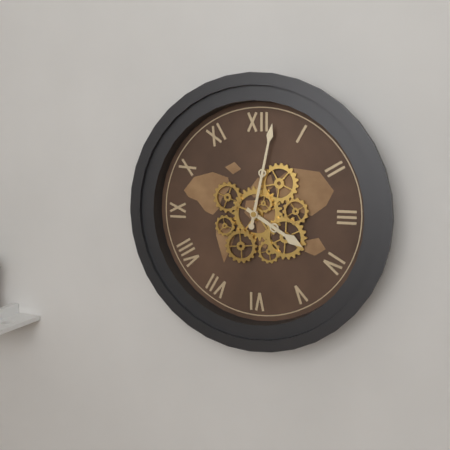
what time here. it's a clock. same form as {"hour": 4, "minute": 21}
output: {"hour": 4, "minute": 2}
